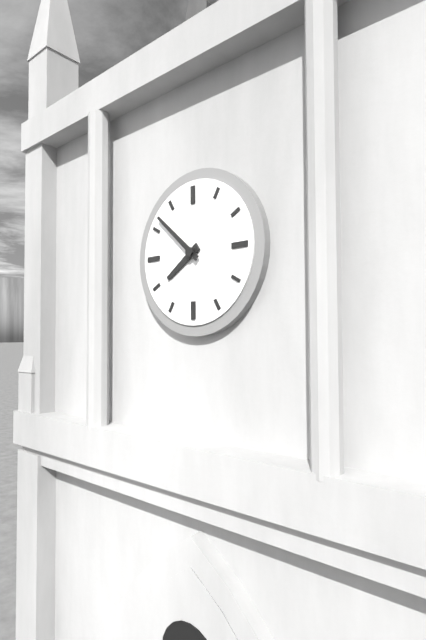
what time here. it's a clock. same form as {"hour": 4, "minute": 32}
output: {"hour": 7, "minute": 52}
